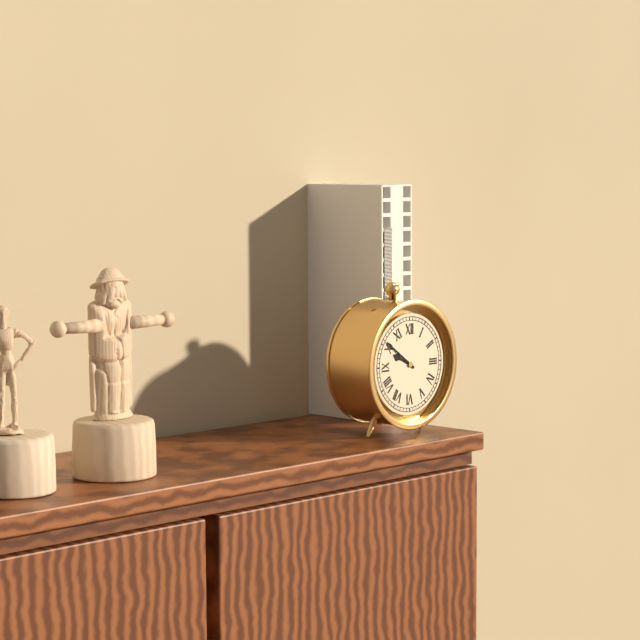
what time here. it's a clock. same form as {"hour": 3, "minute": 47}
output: {"hour": 9, "minute": 51}
